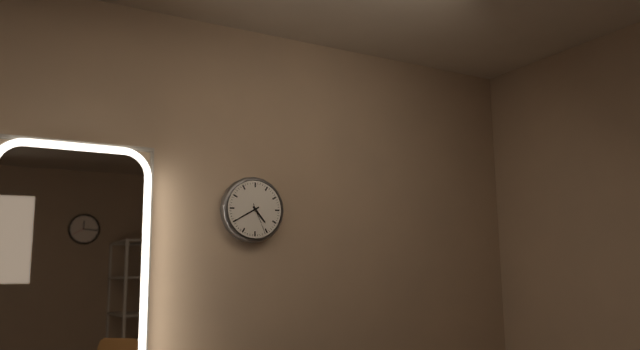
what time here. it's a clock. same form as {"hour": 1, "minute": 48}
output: {"hour": 4, "minute": 40}
